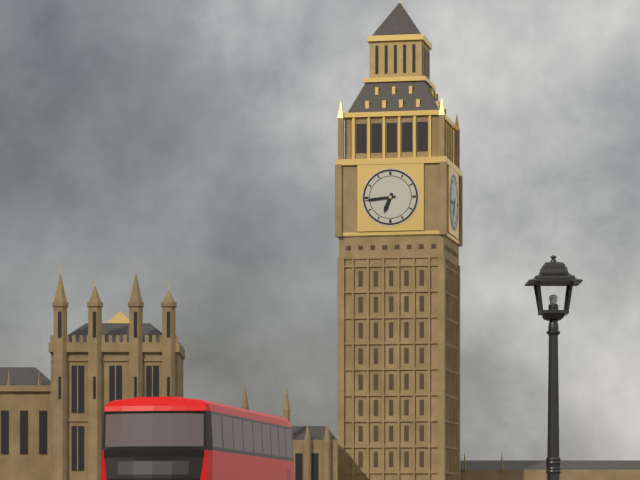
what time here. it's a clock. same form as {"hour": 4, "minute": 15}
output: {"hour": 6, "minute": 44}
